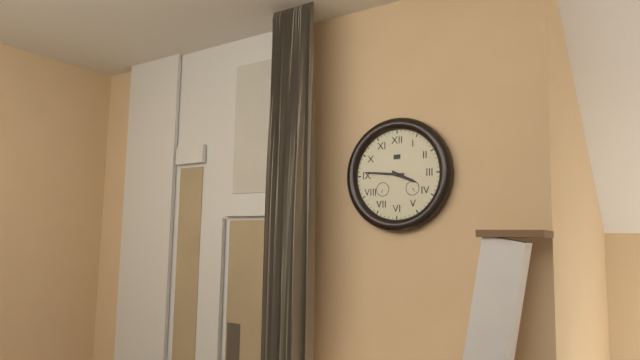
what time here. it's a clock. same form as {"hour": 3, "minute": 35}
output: {"hour": 3, "minute": 46}
